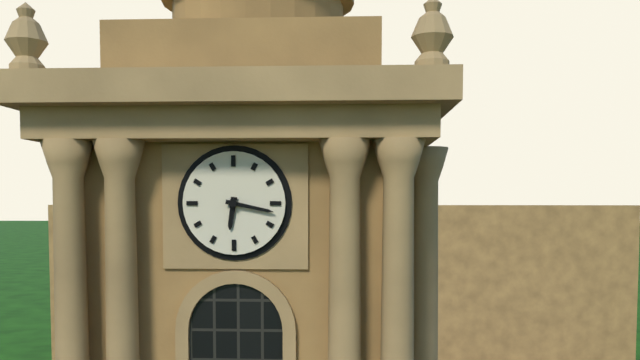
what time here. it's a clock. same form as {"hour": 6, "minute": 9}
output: {"hour": 6, "minute": 17}
